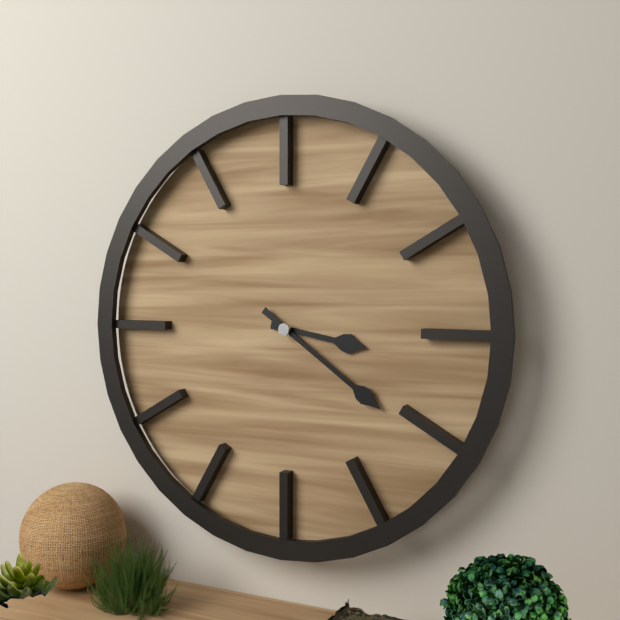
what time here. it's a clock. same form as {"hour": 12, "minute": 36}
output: {"hour": 3, "minute": 21}
